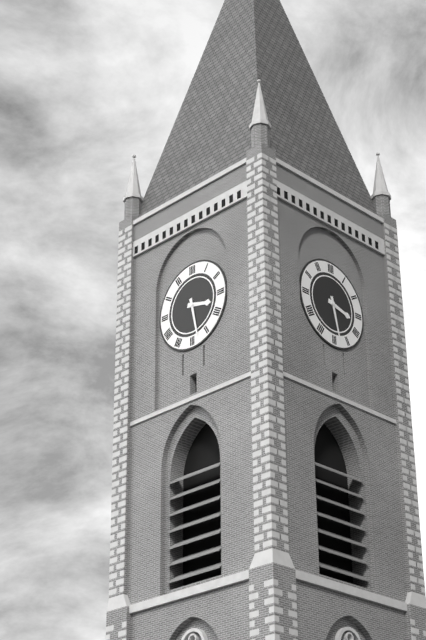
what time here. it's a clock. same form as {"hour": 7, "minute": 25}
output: {"hour": 3, "minute": 28}
